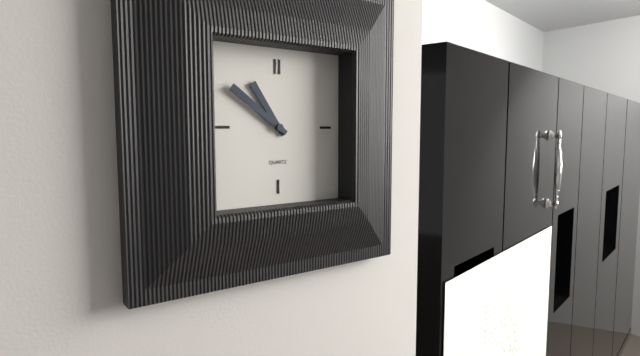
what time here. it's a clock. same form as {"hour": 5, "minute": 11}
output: {"hour": 10, "minute": 51}
